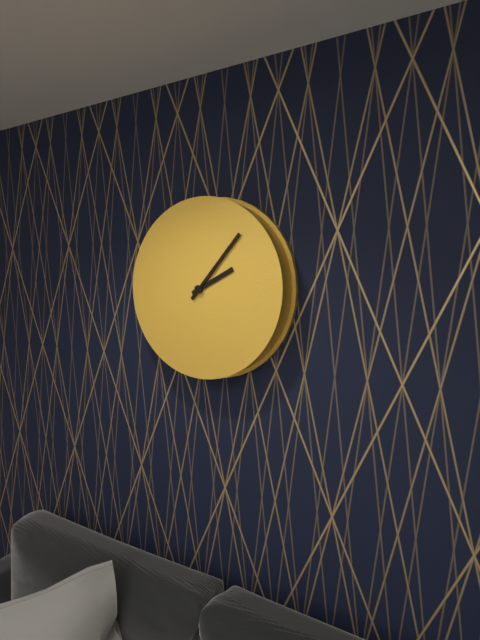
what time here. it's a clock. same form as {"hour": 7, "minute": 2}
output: {"hour": 2, "minute": 7}
